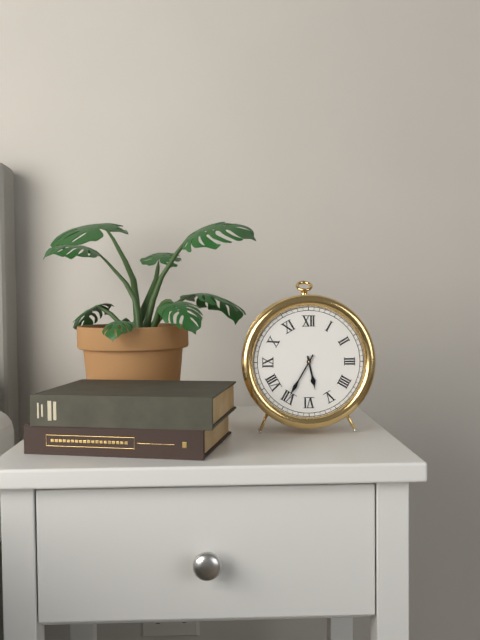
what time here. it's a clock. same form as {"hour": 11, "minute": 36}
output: {"hour": 5, "minute": 35}
